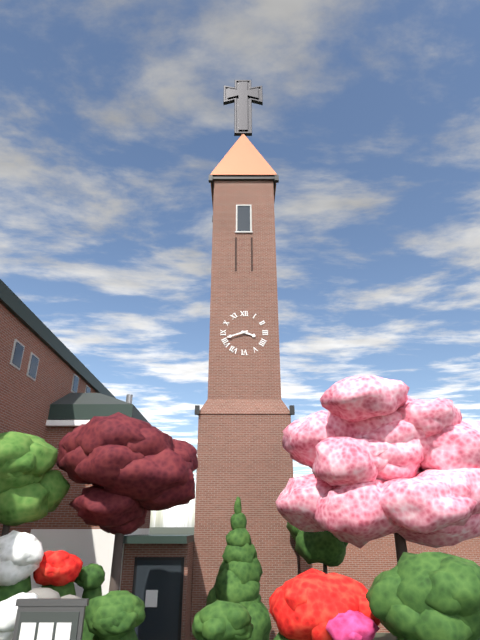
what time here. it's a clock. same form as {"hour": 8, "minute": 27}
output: {"hour": 3, "minute": 42}
